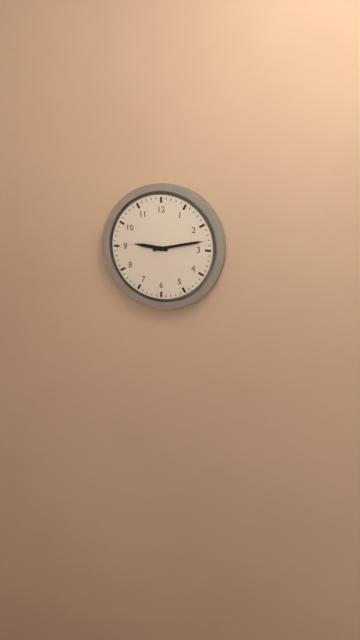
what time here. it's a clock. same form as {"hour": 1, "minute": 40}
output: {"hour": 9, "minute": 13}
